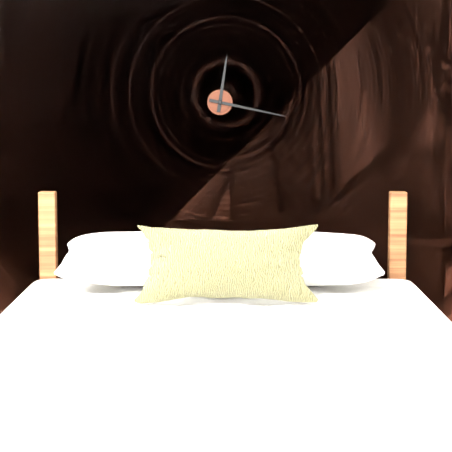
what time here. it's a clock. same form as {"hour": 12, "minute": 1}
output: {"hour": 12, "minute": 17}
